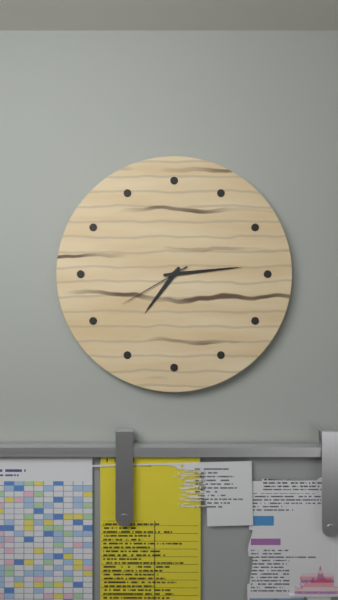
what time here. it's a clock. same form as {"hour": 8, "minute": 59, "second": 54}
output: {"hour": 7, "minute": 14, "second": 40}
